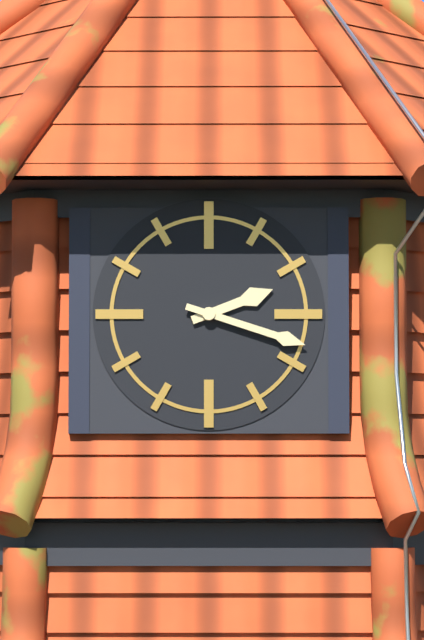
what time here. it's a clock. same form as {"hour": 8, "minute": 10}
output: {"hour": 2, "minute": 18}
